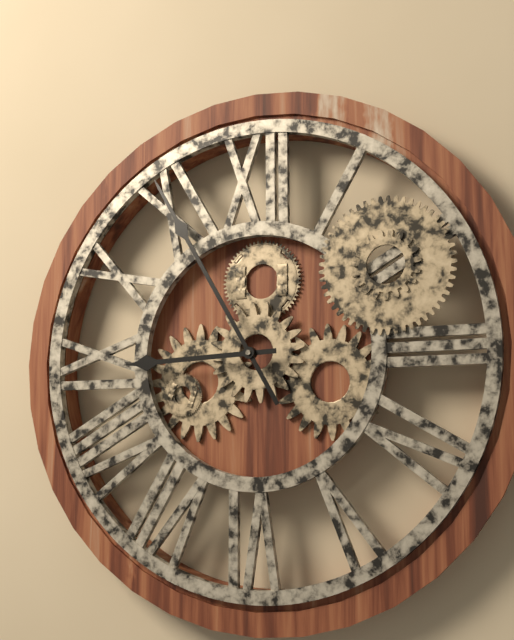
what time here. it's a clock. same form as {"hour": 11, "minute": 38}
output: {"hour": 8, "minute": 55}
